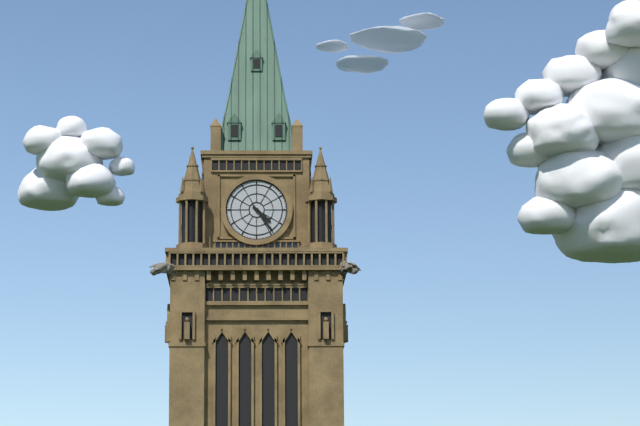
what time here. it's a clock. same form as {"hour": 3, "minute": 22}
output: {"hour": 4, "minute": 24}
